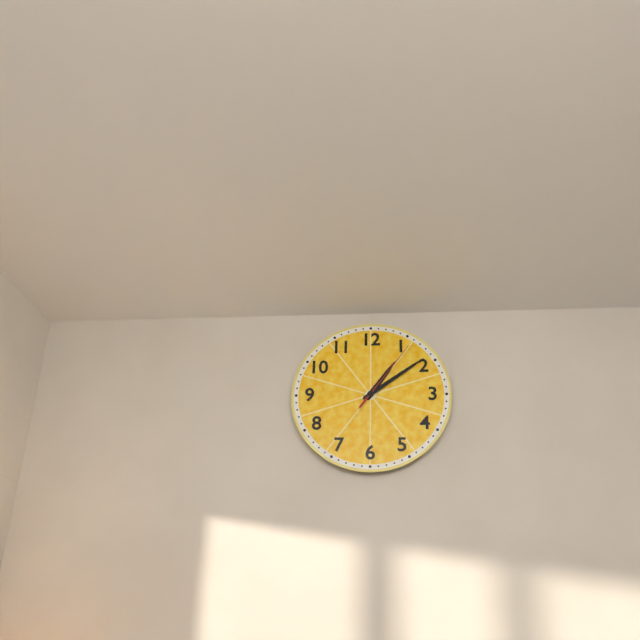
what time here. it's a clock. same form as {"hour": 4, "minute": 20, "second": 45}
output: {"hour": 1, "minute": 9, "second": 6}
